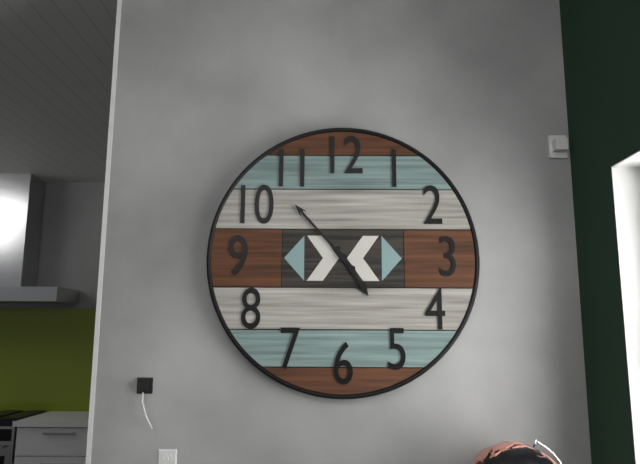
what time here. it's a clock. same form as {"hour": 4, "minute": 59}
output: {"hour": 4, "minute": 53}
